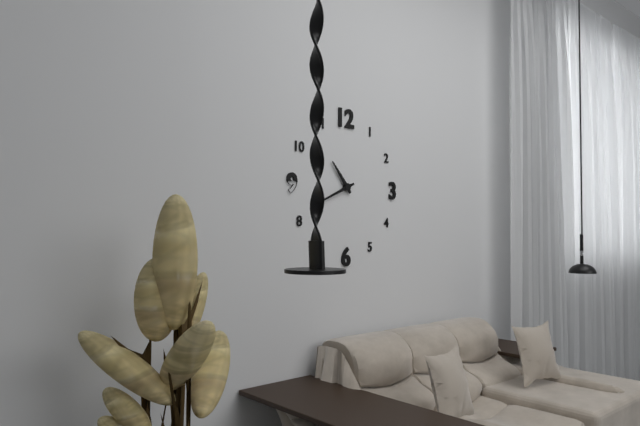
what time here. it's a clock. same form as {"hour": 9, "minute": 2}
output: {"hour": 10, "minute": 41}
